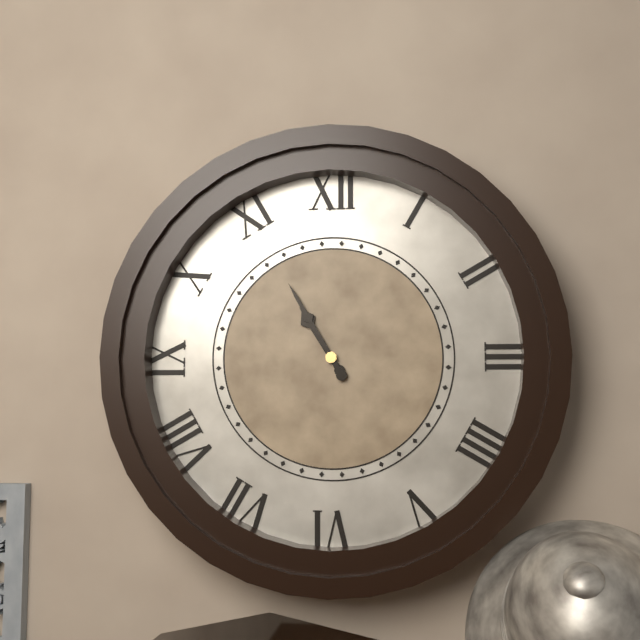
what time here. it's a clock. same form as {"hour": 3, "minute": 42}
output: {"hour": 10, "minute": 55}
